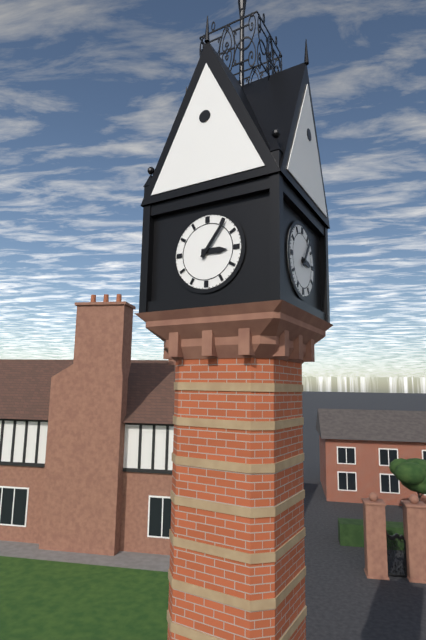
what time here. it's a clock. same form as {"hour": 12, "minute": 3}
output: {"hour": 3, "minute": 6}
